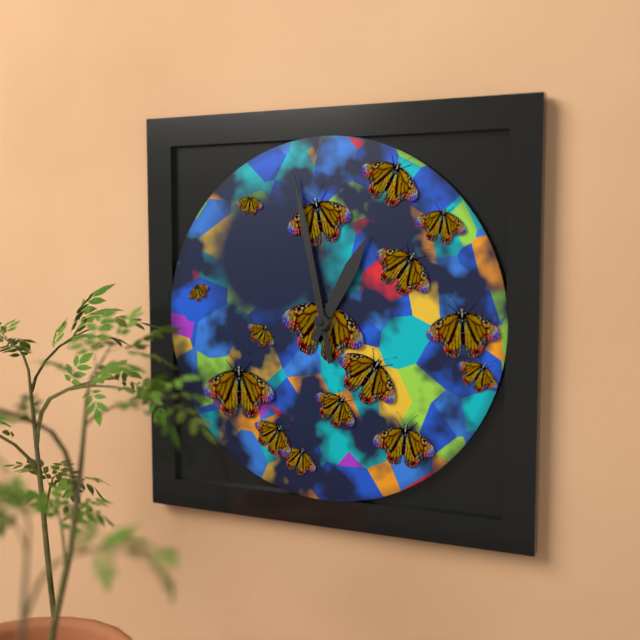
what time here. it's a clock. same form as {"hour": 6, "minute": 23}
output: {"hour": 12, "minute": 58}
